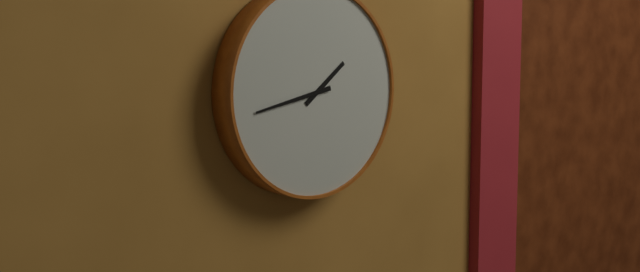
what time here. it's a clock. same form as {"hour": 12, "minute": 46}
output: {"hour": 1, "minute": 43}
